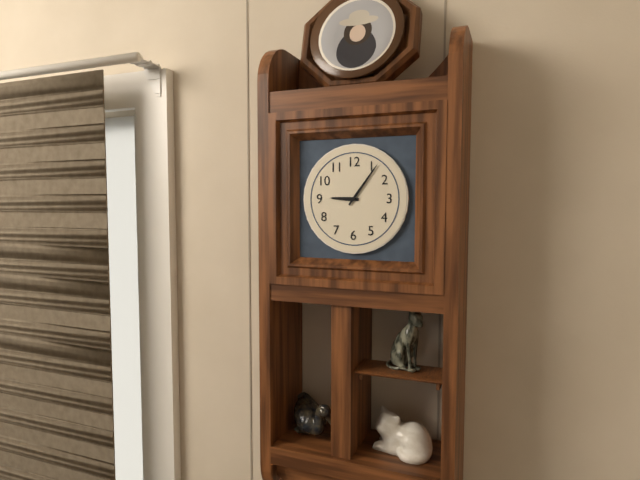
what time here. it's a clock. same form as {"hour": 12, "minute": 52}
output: {"hour": 9, "minute": 6}
